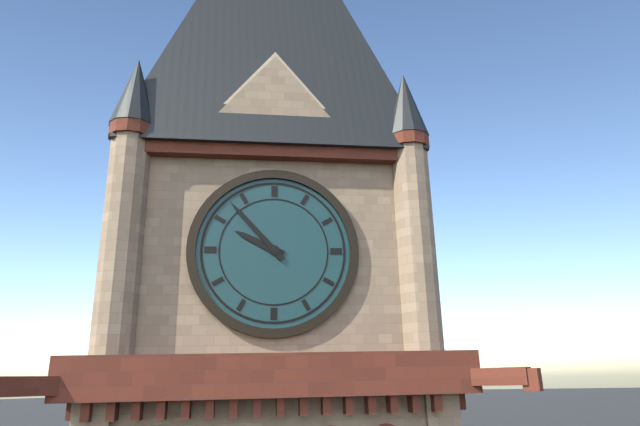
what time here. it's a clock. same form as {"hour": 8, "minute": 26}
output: {"hour": 9, "minute": 53}
